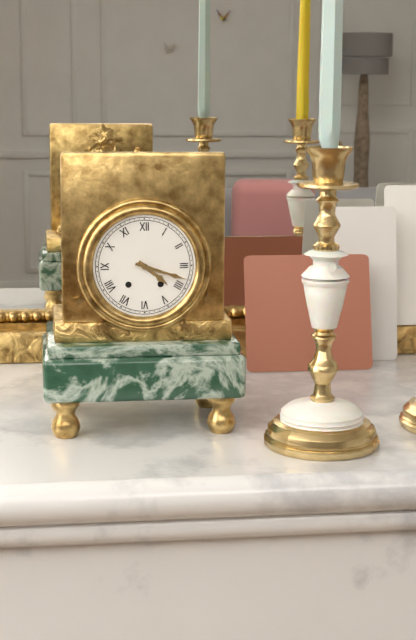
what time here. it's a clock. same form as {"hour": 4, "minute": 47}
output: {"hour": 4, "minute": 18}
